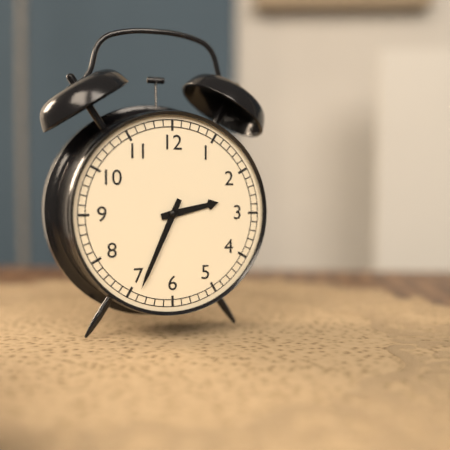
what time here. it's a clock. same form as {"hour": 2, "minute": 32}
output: {"hour": 2, "minute": 34}
